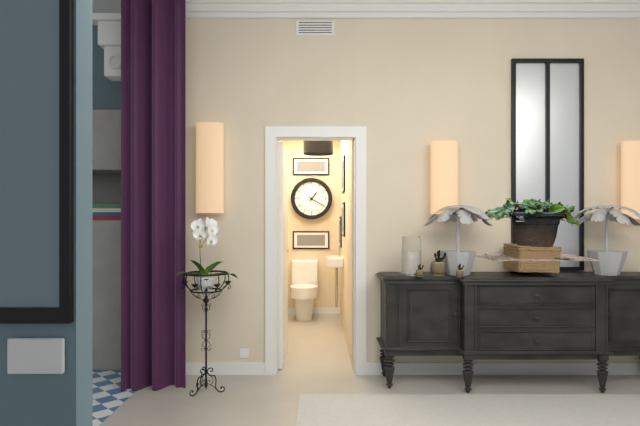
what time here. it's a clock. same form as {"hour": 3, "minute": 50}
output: {"hour": 1, "minute": 20}
